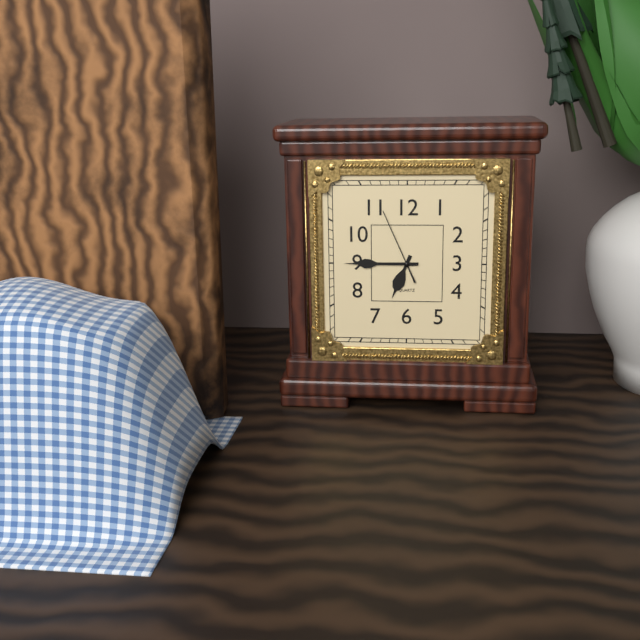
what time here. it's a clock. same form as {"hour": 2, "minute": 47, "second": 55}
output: {"hour": 6, "minute": 45, "second": 56}
